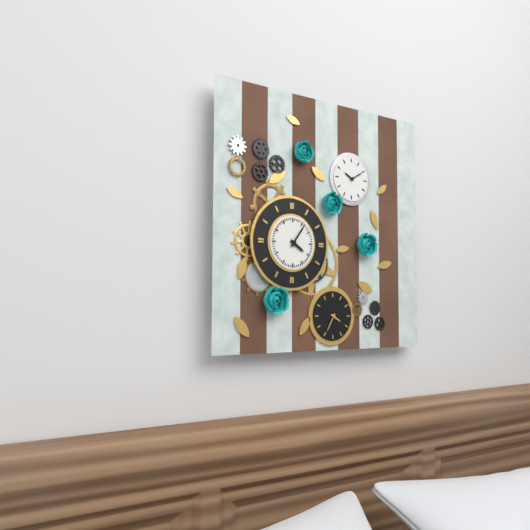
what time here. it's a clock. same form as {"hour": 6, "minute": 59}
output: {"hour": 4, "minute": 6}
